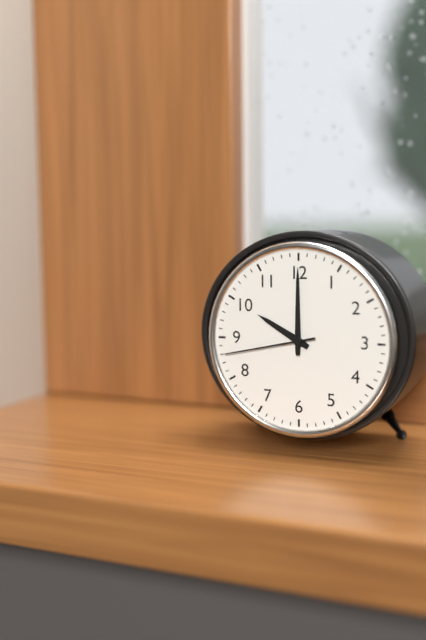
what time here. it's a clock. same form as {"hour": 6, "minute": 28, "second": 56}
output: {"hour": 10, "minute": 0, "second": 43}
